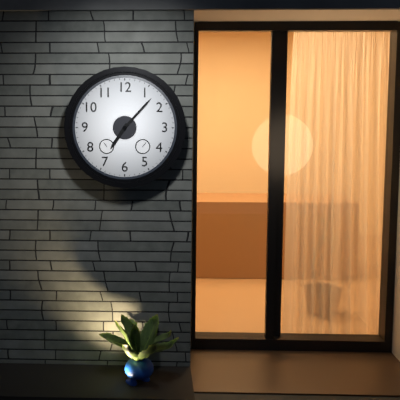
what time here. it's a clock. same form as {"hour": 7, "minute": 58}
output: {"hour": 7, "minute": 7}
